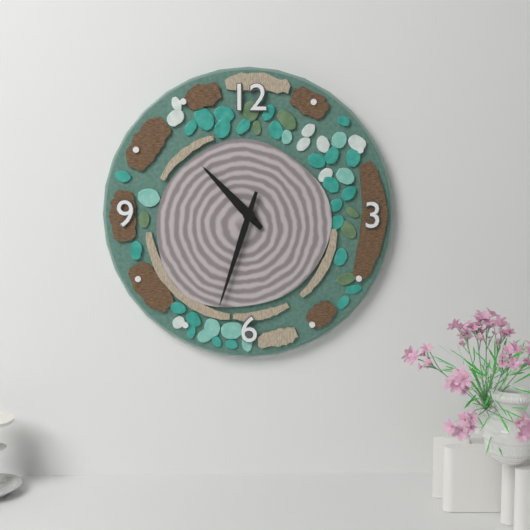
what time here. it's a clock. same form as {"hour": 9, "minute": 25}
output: {"hour": 10, "minute": 33}
